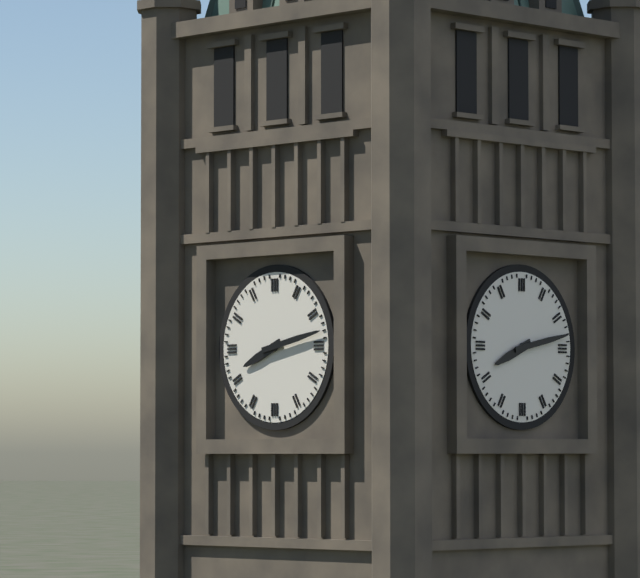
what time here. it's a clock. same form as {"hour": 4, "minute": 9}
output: {"hour": 8, "minute": 13}
